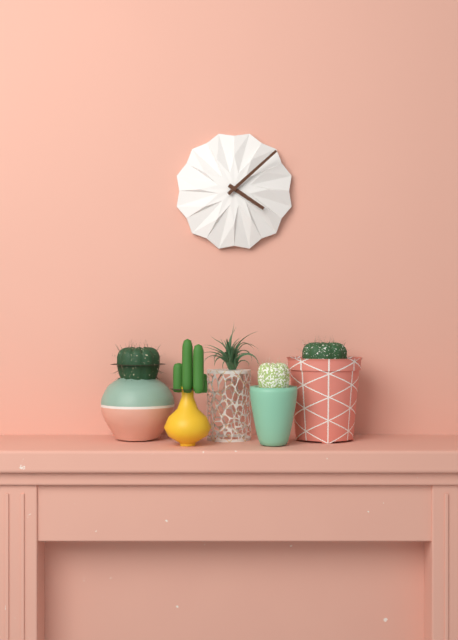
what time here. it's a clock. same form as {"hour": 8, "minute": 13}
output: {"hour": 4, "minute": 8}
